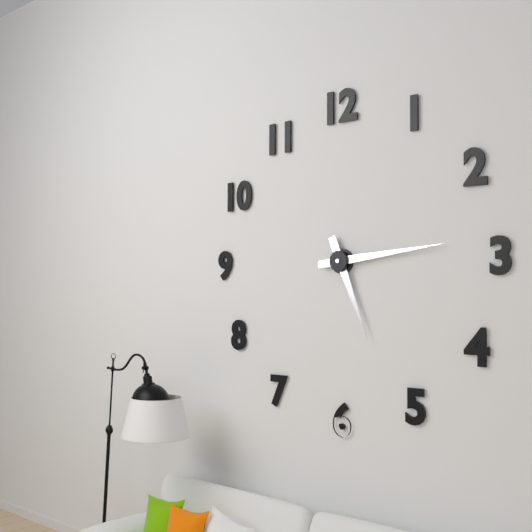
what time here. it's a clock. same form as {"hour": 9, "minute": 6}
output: {"hour": 5, "minute": 14}
